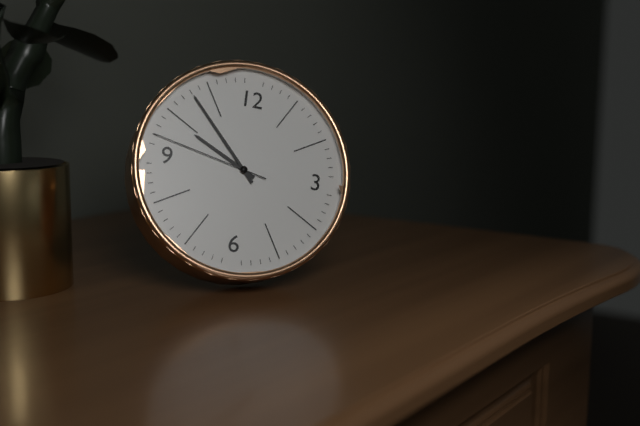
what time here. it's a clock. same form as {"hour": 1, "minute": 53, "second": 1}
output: {"hour": 9, "minute": 53, "second": 47}
